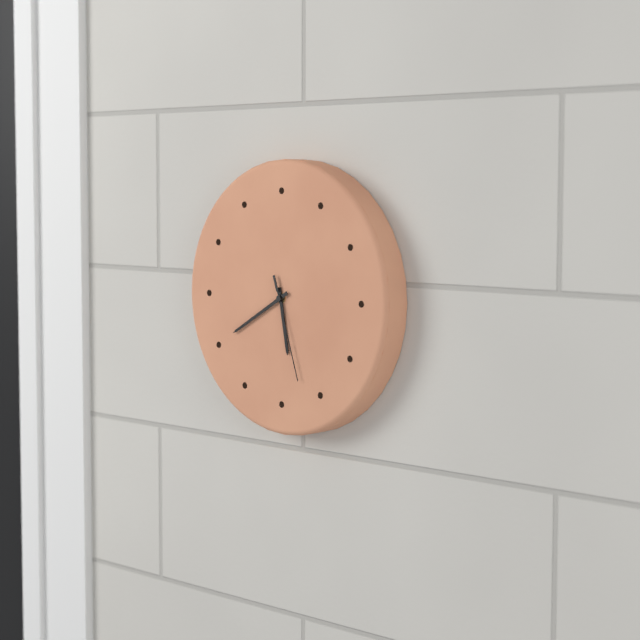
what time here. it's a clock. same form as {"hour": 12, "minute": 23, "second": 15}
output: {"hour": 5, "minute": 40, "second": 27}
